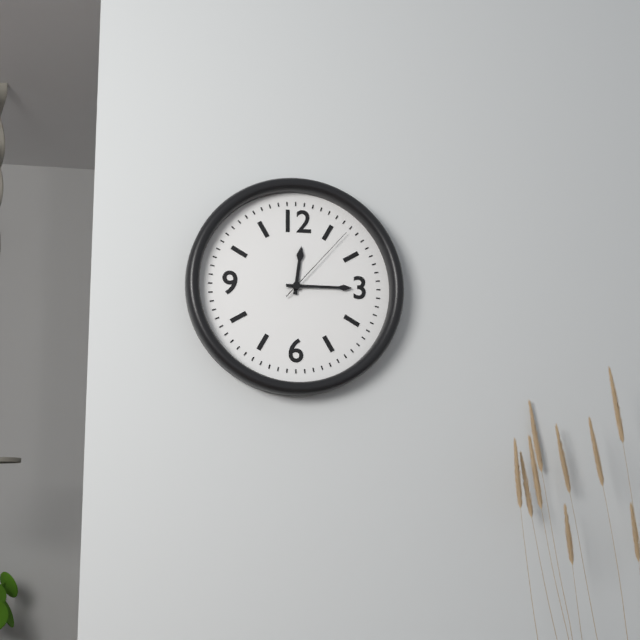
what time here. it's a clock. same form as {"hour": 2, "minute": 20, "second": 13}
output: {"hour": 12, "minute": 15, "second": 7}
